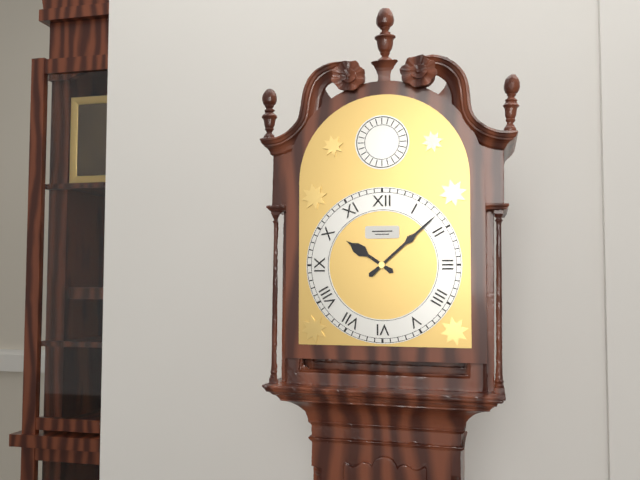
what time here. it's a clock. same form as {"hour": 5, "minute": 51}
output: {"hour": 10, "minute": 8}
